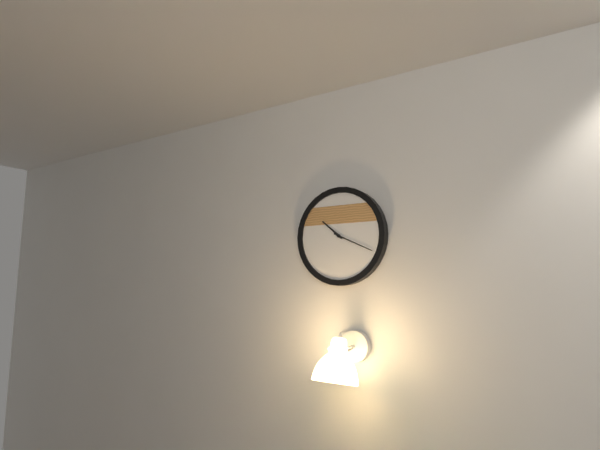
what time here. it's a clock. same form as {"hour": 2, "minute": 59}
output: {"hour": 10, "minute": 19}
